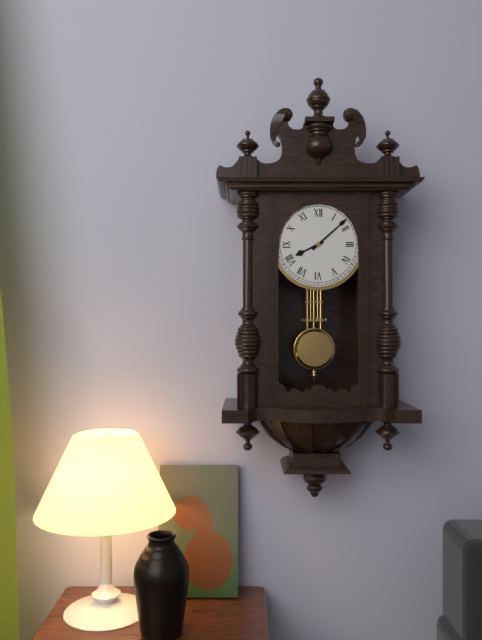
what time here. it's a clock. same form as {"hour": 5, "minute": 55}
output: {"hour": 8, "minute": 8}
